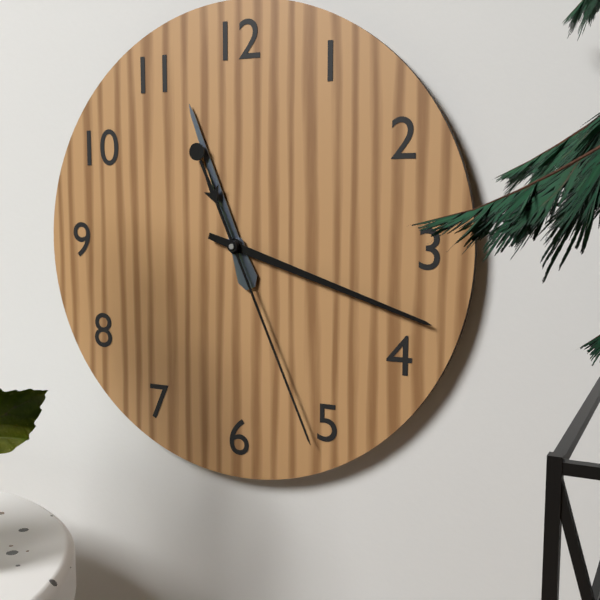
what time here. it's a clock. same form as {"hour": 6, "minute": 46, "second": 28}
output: {"hour": 11, "minute": 18, "second": 26}
